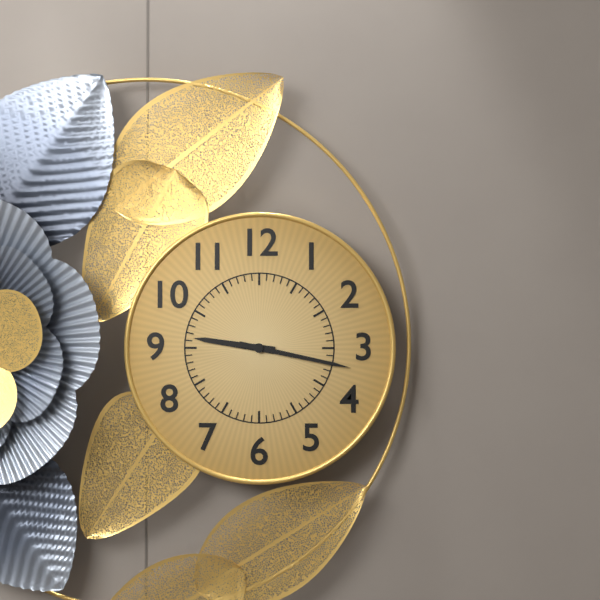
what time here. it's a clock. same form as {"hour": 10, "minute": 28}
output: {"hour": 9, "minute": 17}
